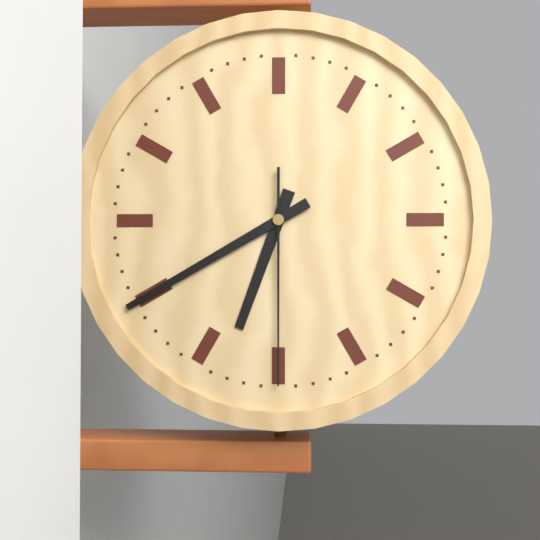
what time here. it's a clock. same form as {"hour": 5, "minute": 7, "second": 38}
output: {"hour": 6, "minute": 40, "second": 30}
